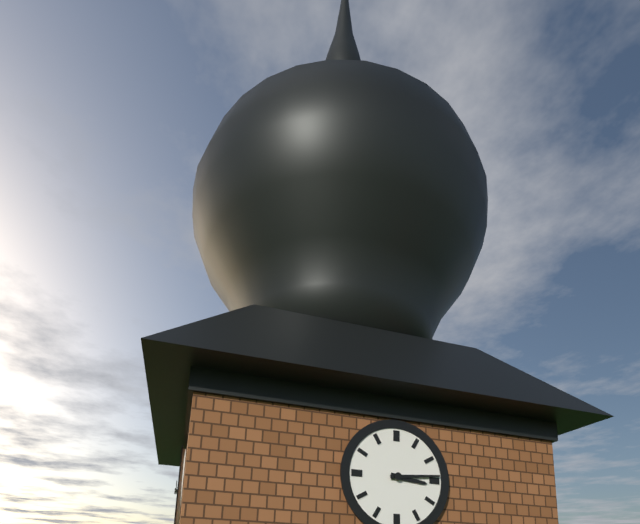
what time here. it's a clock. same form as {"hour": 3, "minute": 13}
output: {"hour": 3, "minute": 14}
